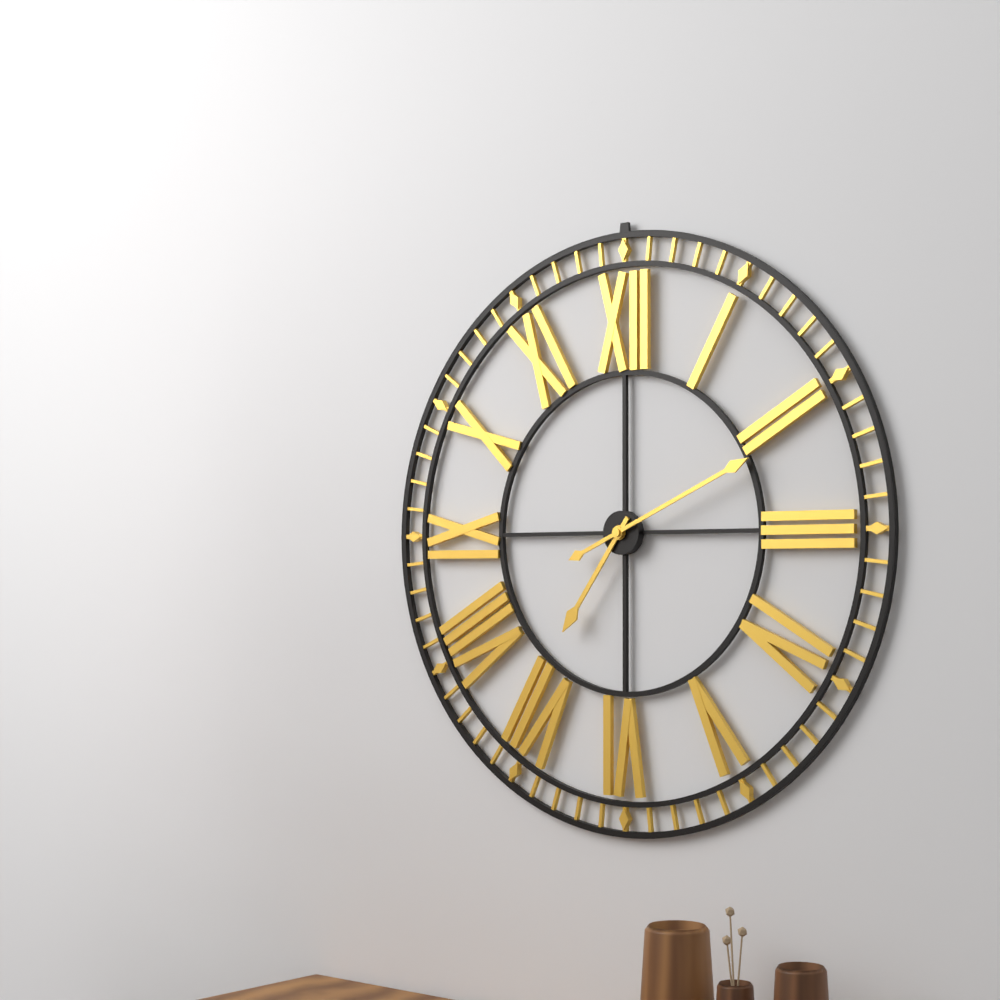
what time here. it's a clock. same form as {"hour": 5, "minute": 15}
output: {"hour": 7, "minute": 11}
